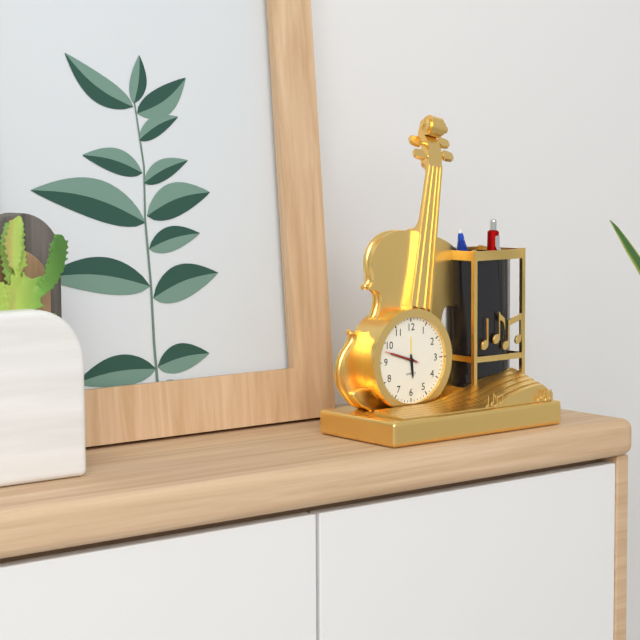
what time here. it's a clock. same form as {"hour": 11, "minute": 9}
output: {"hour": 5, "minute": 48}
